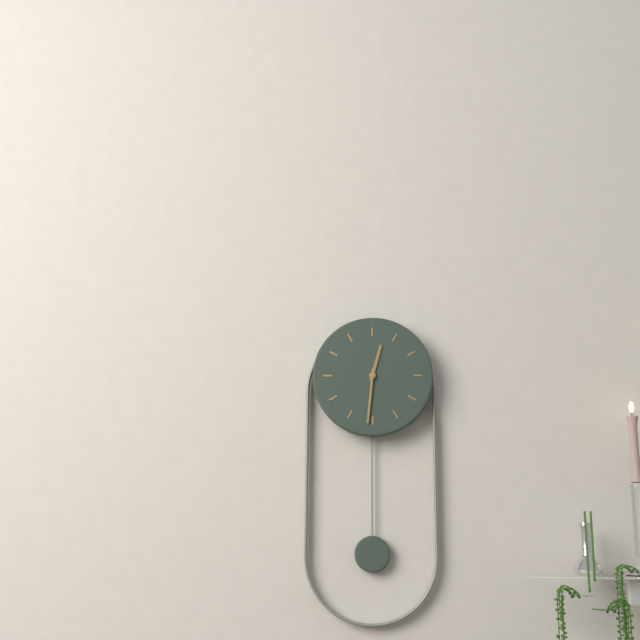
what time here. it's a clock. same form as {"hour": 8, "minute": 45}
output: {"hour": 12, "minute": 31}
